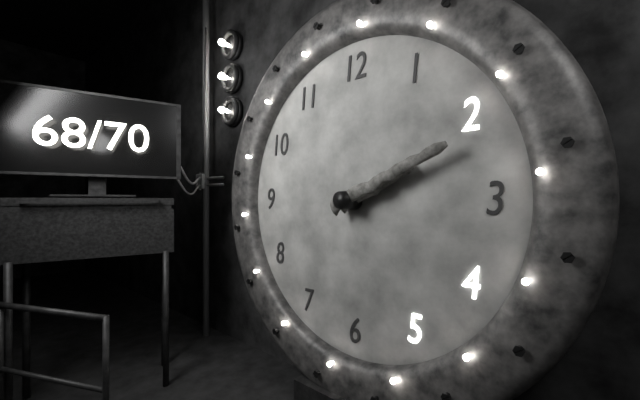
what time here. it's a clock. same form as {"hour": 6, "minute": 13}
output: {"hour": 2, "minute": 11}
